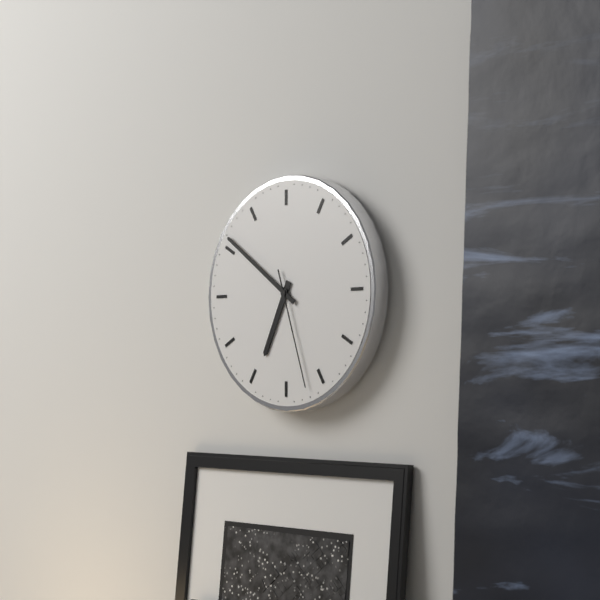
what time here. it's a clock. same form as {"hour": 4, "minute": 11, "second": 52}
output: {"hour": 6, "minute": 51, "second": 27}
